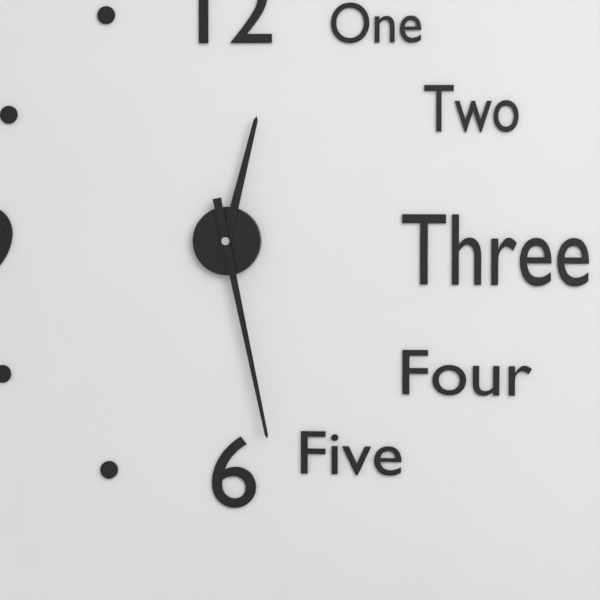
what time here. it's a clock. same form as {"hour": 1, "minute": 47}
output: {"hour": 12, "minute": 28}
